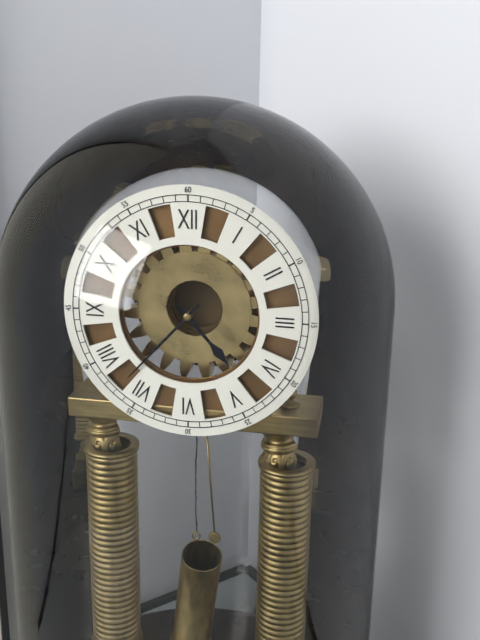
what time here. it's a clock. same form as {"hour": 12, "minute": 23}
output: {"hour": 4, "minute": 37}
